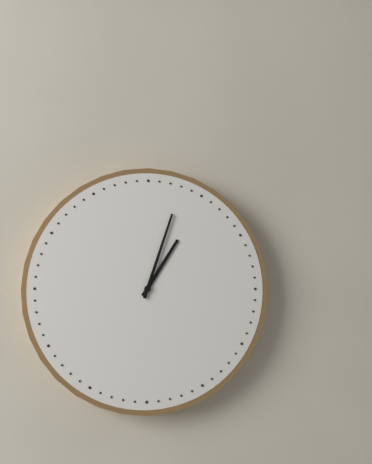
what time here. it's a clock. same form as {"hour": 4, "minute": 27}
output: {"hour": 1, "minute": 3}
